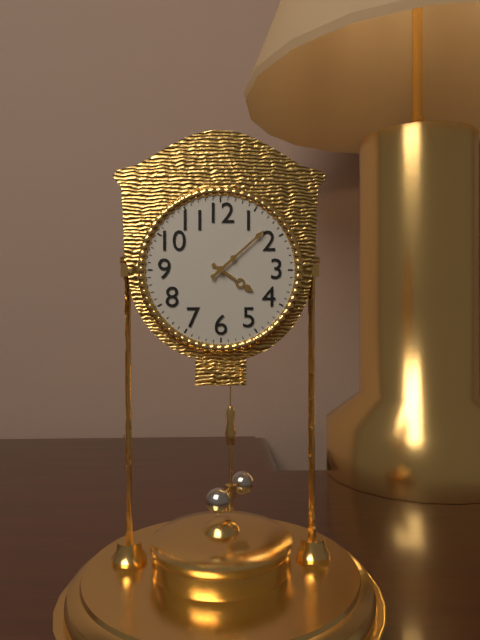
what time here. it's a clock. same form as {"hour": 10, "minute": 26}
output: {"hour": 4, "minute": 8}
